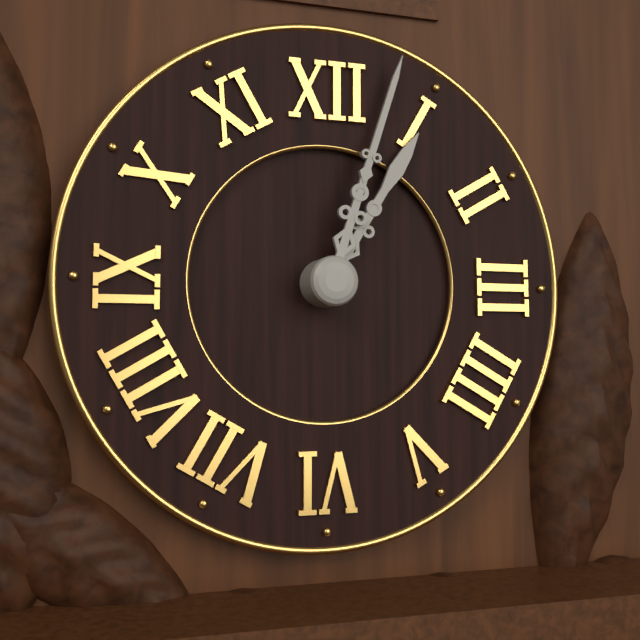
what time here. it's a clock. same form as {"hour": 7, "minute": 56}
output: {"hour": 1, "minute": 3}
